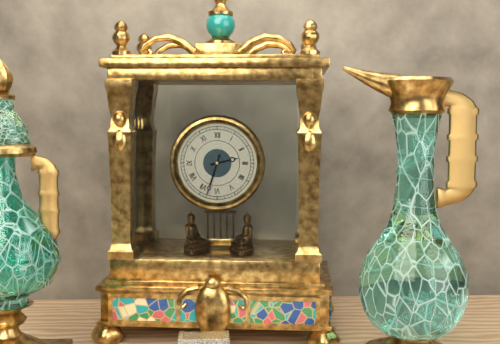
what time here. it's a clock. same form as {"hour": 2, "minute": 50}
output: {"hour": 2, "minute": 33}
